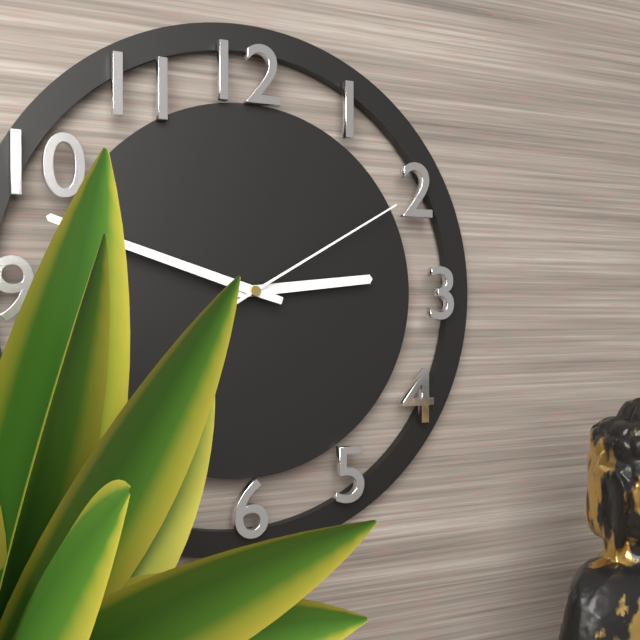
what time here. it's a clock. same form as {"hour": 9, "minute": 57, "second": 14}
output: {"hour": 2, "minute": 48, "second": 10}
